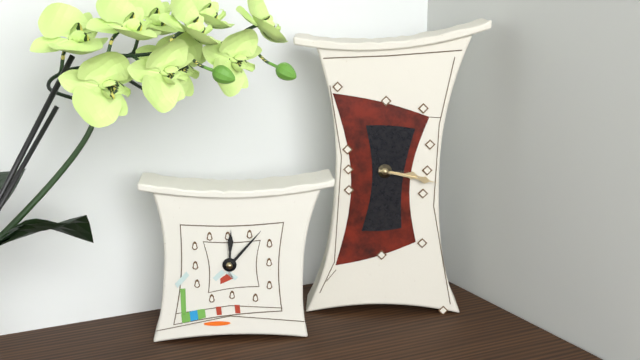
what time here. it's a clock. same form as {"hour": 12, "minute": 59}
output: {"hour": 3, "minute": 17}
